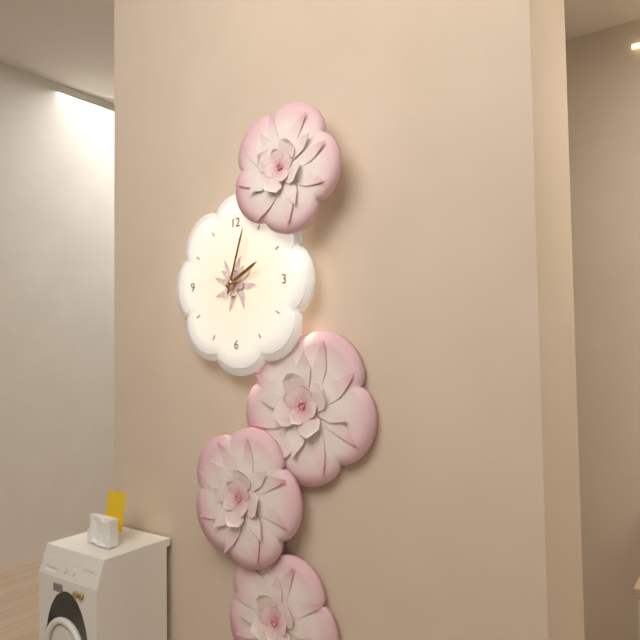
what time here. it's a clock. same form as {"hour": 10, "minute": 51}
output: {"hour": 2, "minute": 3}
